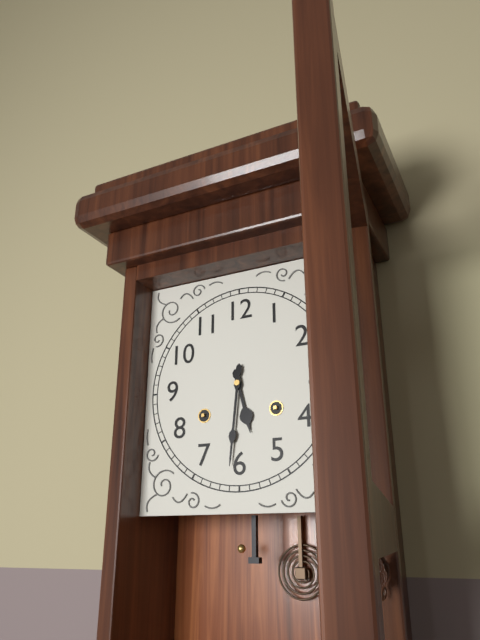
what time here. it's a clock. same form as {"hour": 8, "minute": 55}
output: {"hour": 5, "minute": 31}
